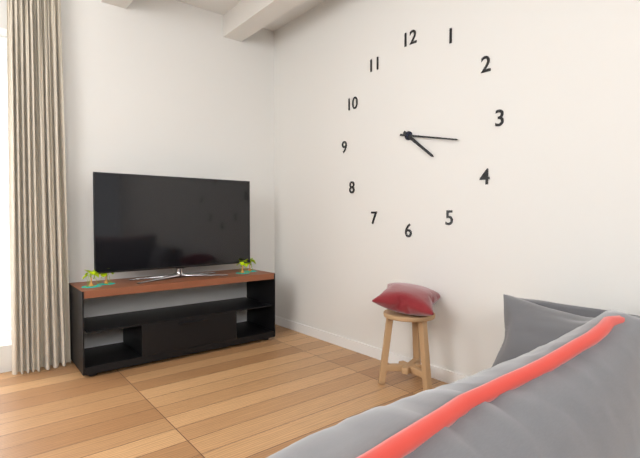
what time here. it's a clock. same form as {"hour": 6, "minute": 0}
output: {"hour": 4, "minute": 17}
